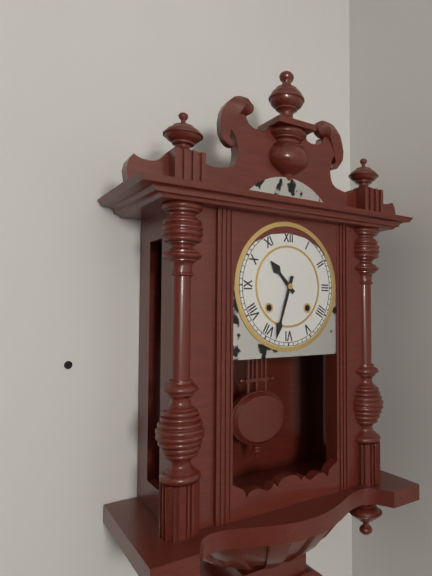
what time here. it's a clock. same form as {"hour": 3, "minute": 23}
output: {"hour": 10, "minute": 33}
